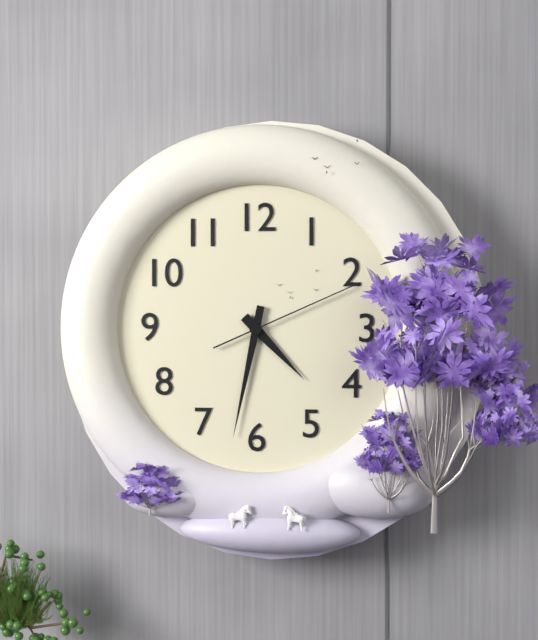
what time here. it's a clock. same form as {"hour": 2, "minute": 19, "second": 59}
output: {"hour": 4, "minute": 32, "second": 11}
